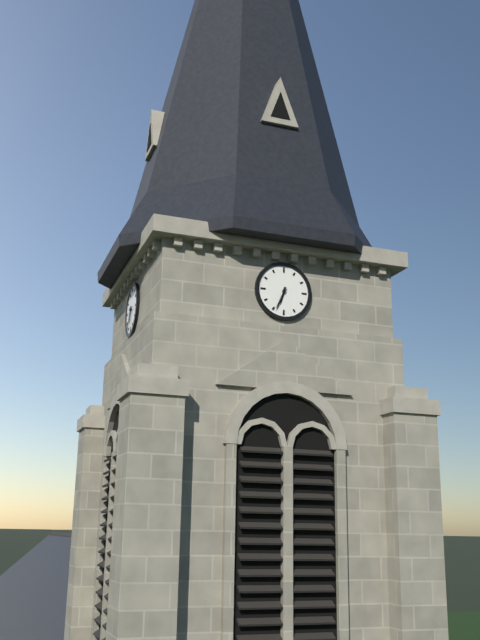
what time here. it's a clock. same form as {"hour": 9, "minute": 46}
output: {"hour": 6, "minute": 34}
